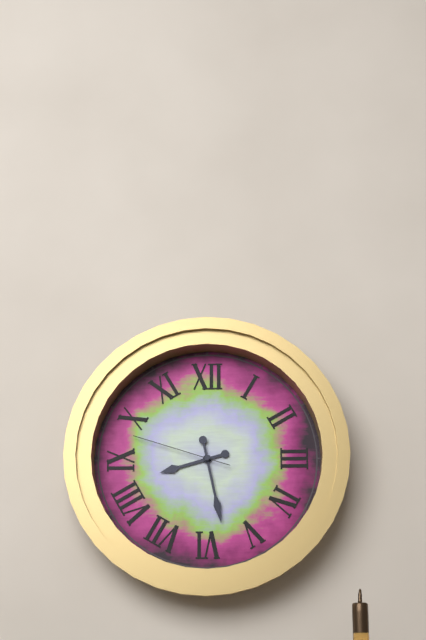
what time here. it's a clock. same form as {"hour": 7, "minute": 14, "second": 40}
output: {"hour": 8, "minute": 28, "second": 48}
